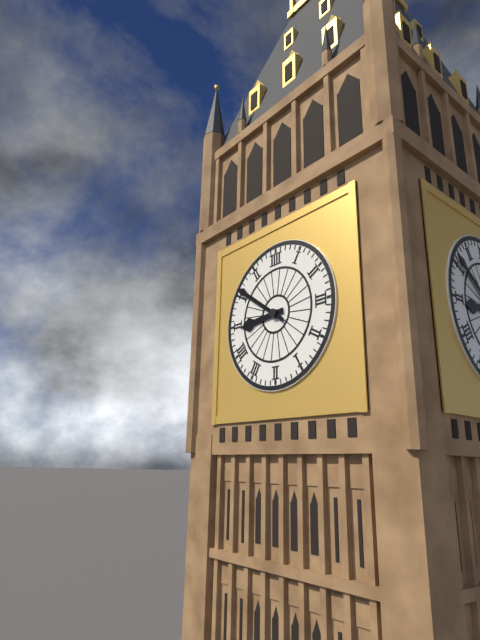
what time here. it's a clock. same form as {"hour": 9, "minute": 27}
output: {"hour": 8, "minute": 51}
